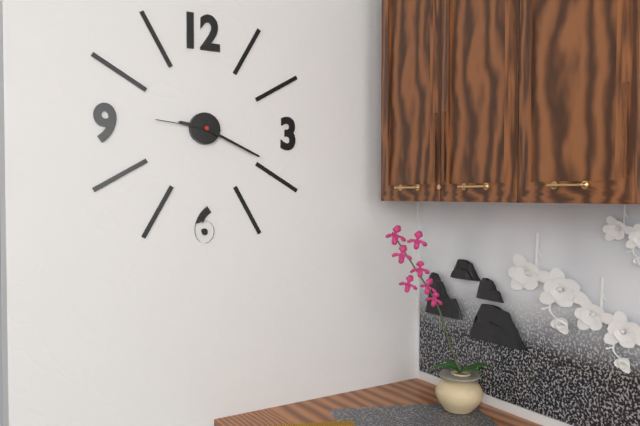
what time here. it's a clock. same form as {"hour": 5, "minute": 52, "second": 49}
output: {"hour": 9, "minute": 19, "second": 46}
